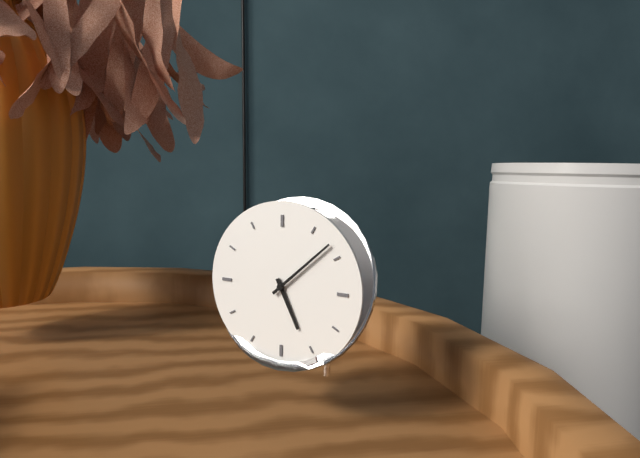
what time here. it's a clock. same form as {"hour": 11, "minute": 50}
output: {"hour": 5, "minute": 8}
